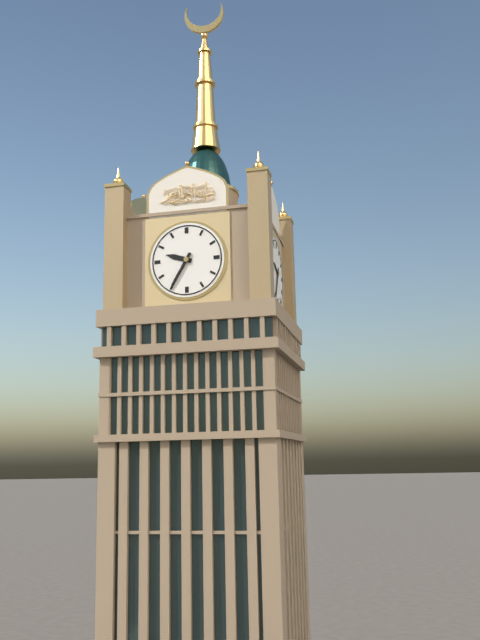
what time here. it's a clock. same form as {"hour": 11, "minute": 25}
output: {"hour": 9, "minute": 35}
